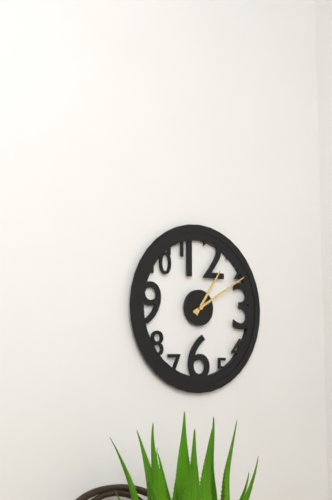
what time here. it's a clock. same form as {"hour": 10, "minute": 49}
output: {"hour": 1, "minute": 10}
